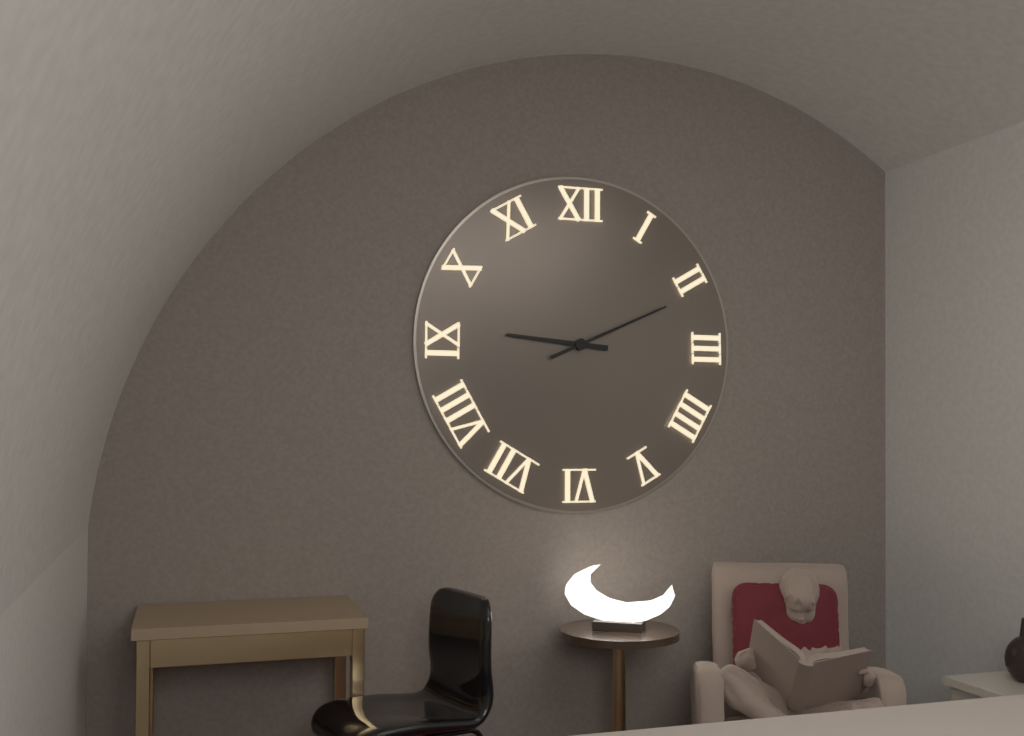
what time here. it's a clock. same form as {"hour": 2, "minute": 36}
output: {"hour": 9, "minute": 11}
